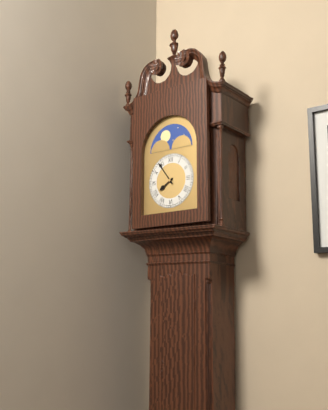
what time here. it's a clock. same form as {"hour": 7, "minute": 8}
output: {"hour": 7, "minute": 54}
